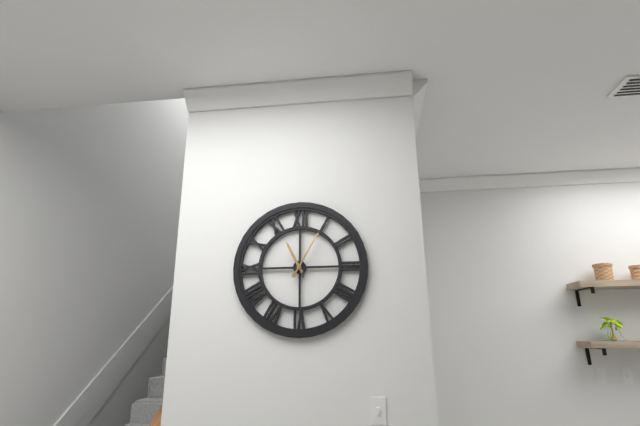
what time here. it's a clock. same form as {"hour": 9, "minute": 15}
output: {"hour": 11, "minute": 5}
